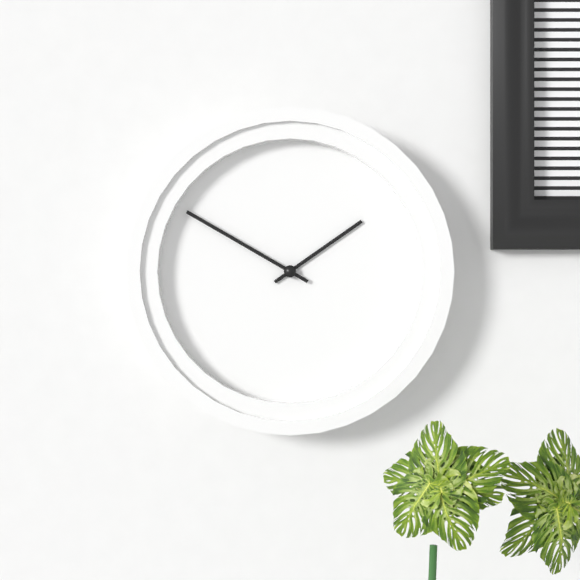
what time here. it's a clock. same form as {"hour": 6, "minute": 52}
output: {"hour": 1, "minute": 50}
